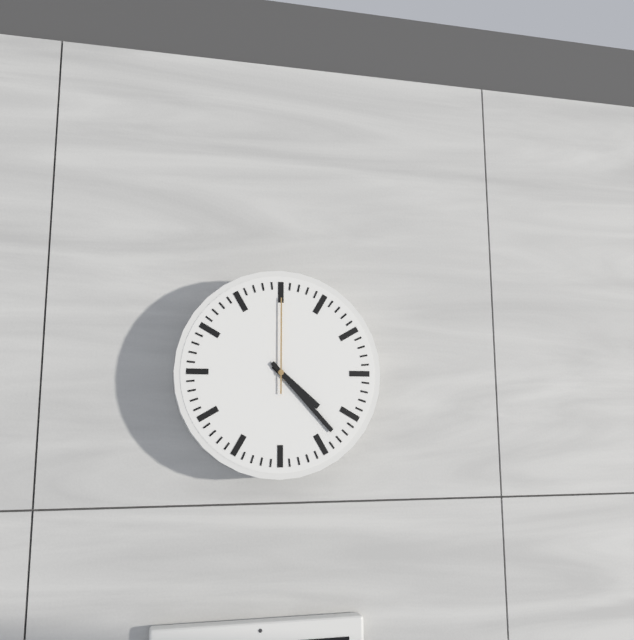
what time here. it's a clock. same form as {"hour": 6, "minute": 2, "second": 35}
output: {"hour": 4, "minute": 23, "second": 0}
